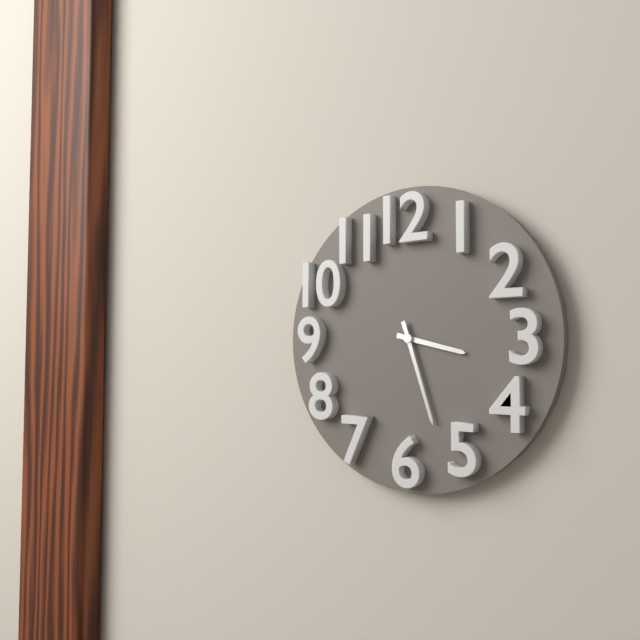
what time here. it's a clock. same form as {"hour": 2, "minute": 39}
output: {"hour": 3, "minute": 27}
